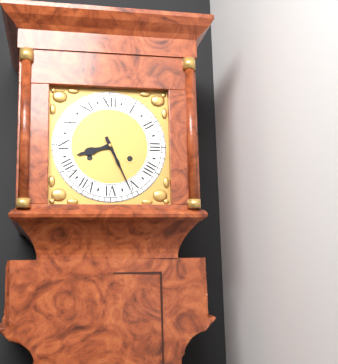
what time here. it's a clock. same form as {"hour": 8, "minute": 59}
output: {"hour": 8, "minute": 26}
